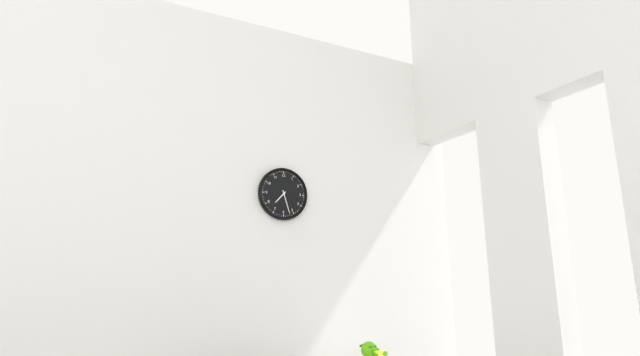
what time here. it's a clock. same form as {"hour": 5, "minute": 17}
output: {"hour": 7, "minute": 27}
